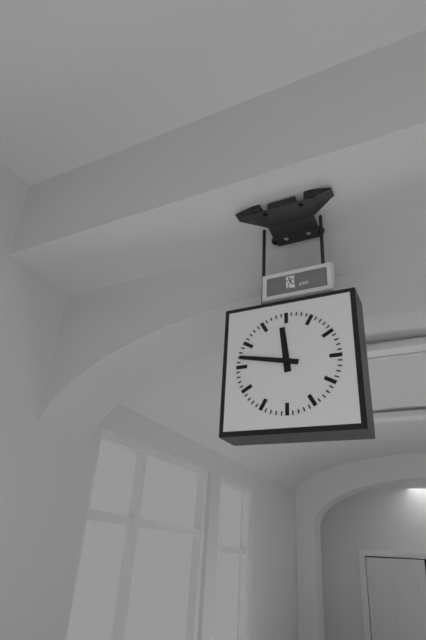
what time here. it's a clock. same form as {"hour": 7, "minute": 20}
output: {"hour": 11, "minute": 47}
